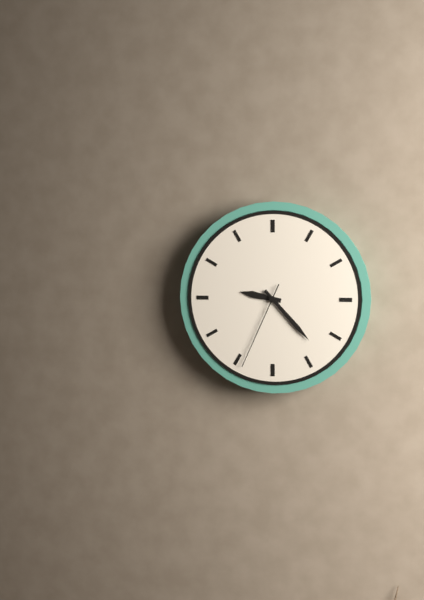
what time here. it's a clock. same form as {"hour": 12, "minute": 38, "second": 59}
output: {"hour": 9, "minute": 23, "second": 34}
